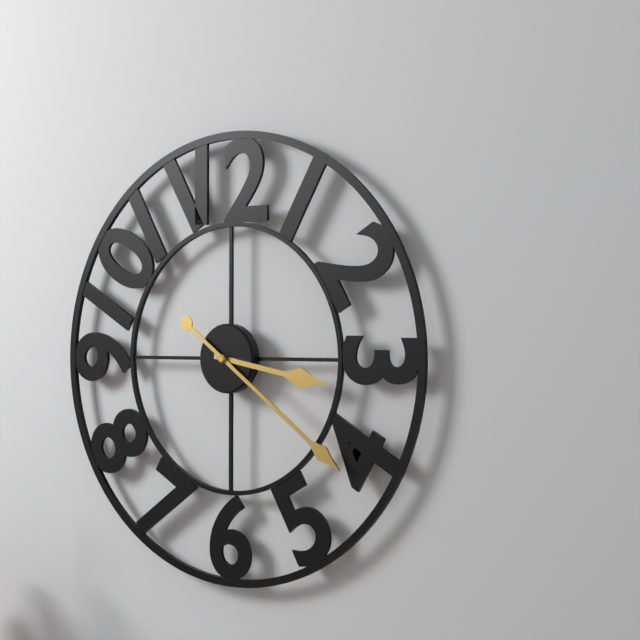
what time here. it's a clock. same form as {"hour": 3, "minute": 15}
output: {"hour": 3, "minute": 21}
